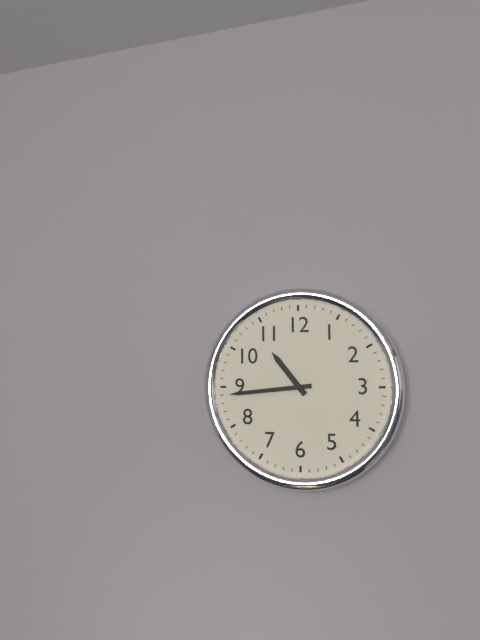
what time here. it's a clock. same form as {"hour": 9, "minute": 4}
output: {"hour": 10, "minute": 44}
